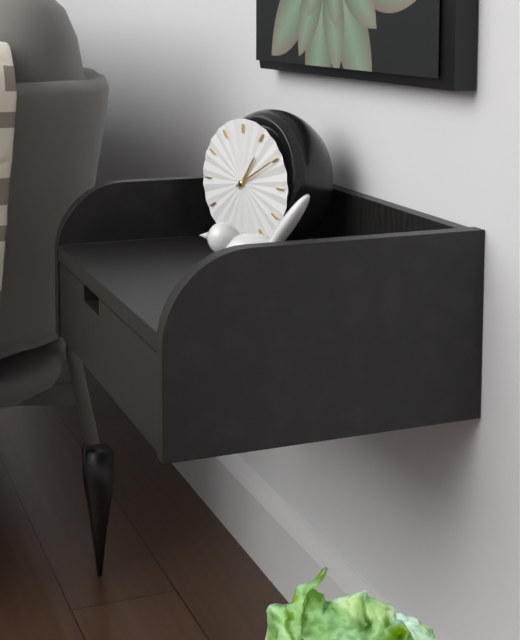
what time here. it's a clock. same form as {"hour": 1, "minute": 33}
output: {"hour": 1, "minute": 10}
